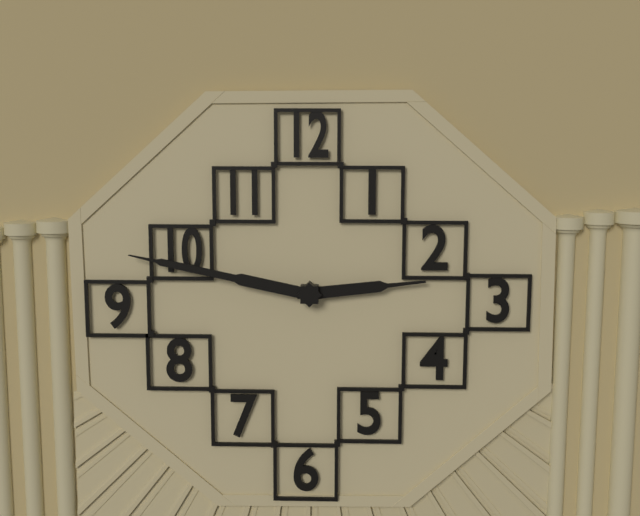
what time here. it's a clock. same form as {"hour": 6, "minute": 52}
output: {"hour": 2, "minute": 47}
